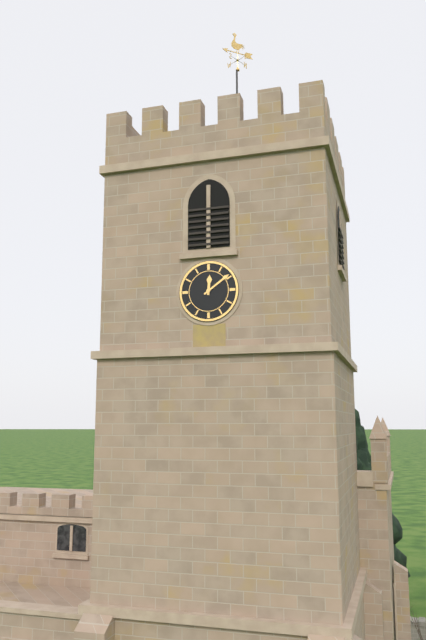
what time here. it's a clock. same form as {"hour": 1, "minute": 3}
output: {"hour": 12, "minute": 9}
